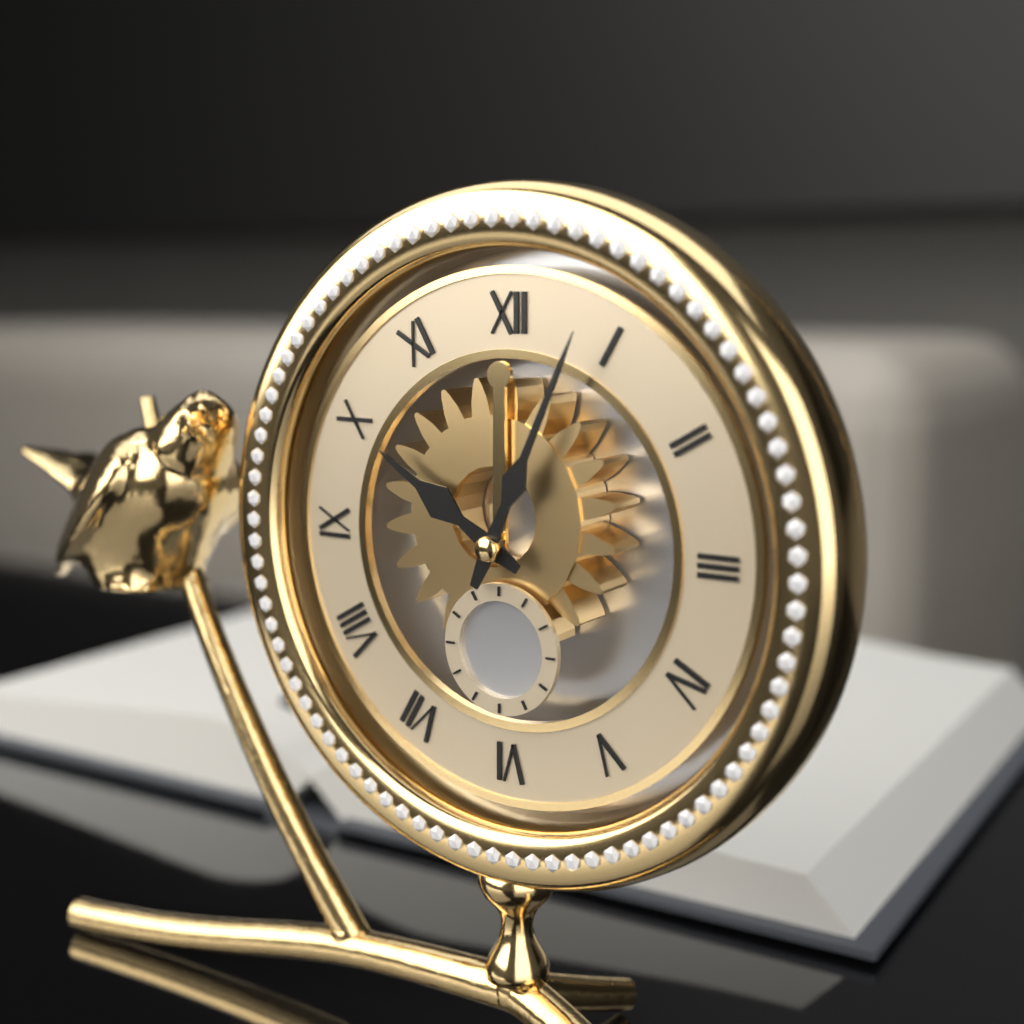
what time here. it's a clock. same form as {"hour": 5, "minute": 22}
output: {"hour": 10, "minute": 4}
